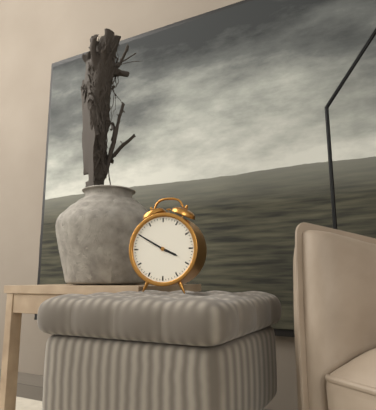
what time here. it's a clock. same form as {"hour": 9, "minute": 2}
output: {"hour": 3, "minute": 50}
